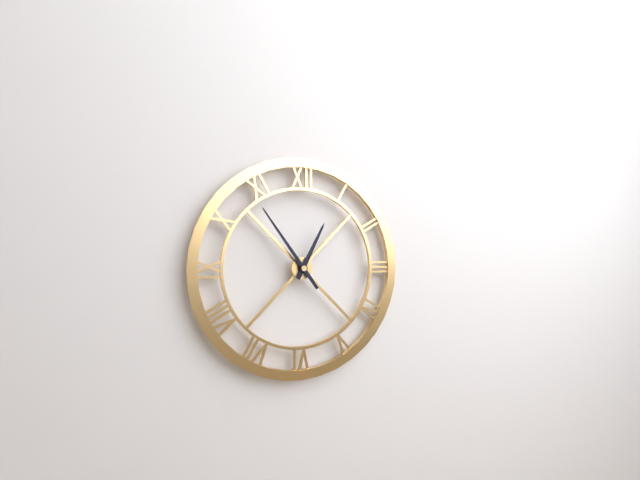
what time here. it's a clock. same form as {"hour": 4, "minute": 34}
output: {"hour": 12, "minute": 54}
